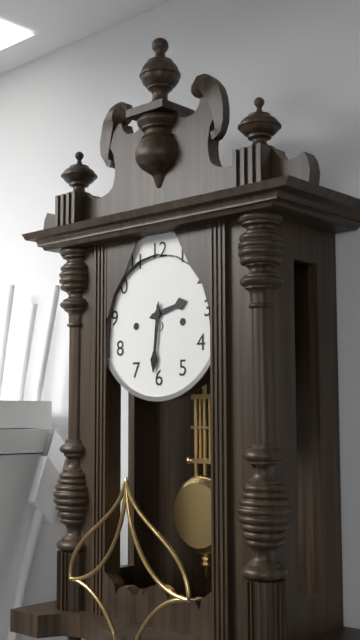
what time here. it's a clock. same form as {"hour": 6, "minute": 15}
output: {"hour": 2, "minute": 31}
